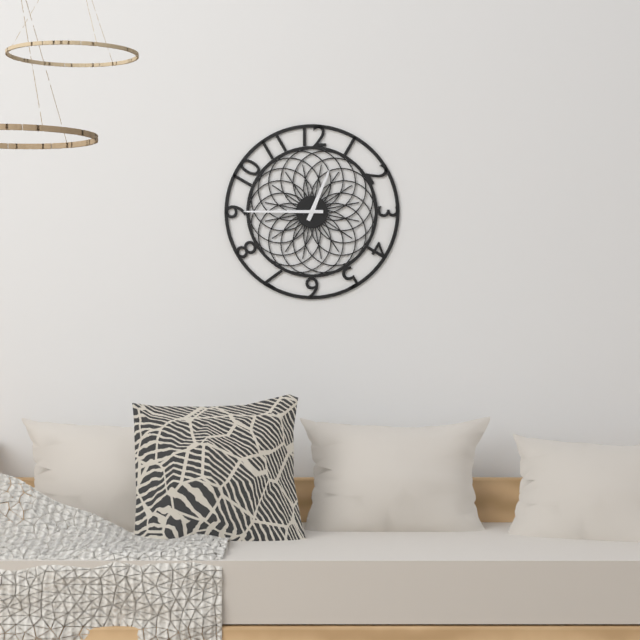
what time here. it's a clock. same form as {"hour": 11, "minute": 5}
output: {"hour": 12, "minute": 45}
